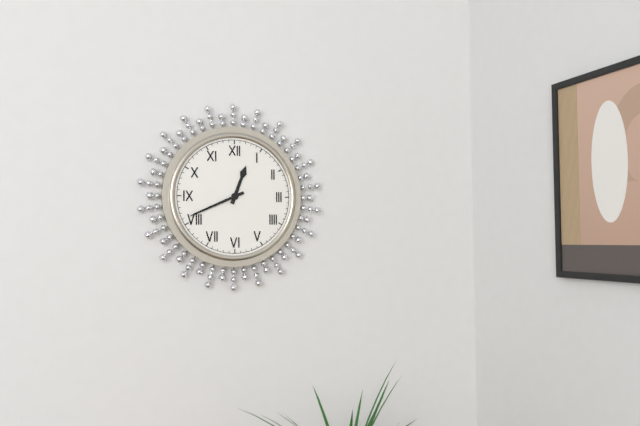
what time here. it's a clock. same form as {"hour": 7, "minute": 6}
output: {"hour": 12, "minute": 41}
